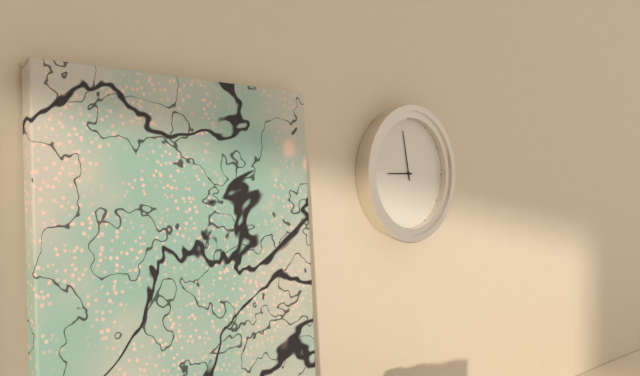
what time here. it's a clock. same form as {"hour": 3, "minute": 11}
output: {"hour": 8, "minute": 58}
